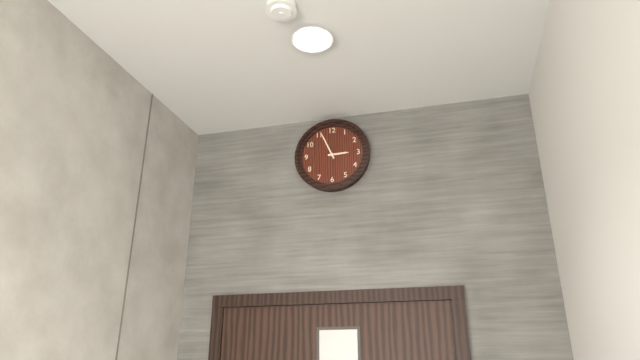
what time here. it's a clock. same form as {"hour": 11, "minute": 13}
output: {"hour": 2, "minute": 56}
